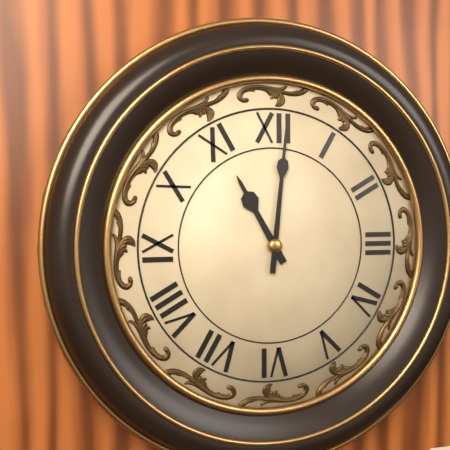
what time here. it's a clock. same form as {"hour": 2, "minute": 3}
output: {"hour": 11, "minute": 1}
